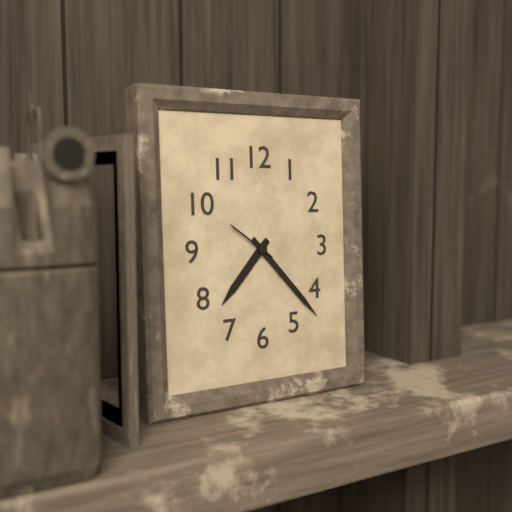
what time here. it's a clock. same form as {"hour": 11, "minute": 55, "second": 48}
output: {"hour": 7, "minute": 23, "second": 51}
